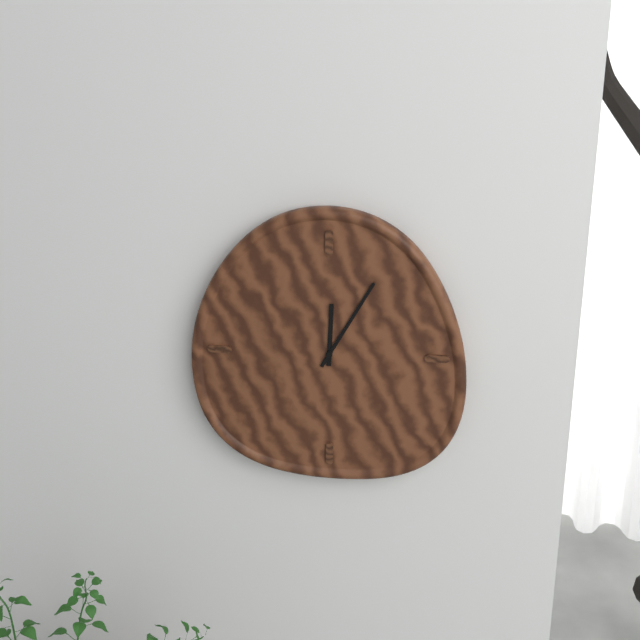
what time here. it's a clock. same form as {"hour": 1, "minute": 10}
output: {"hour": 12, "minute": 5}
